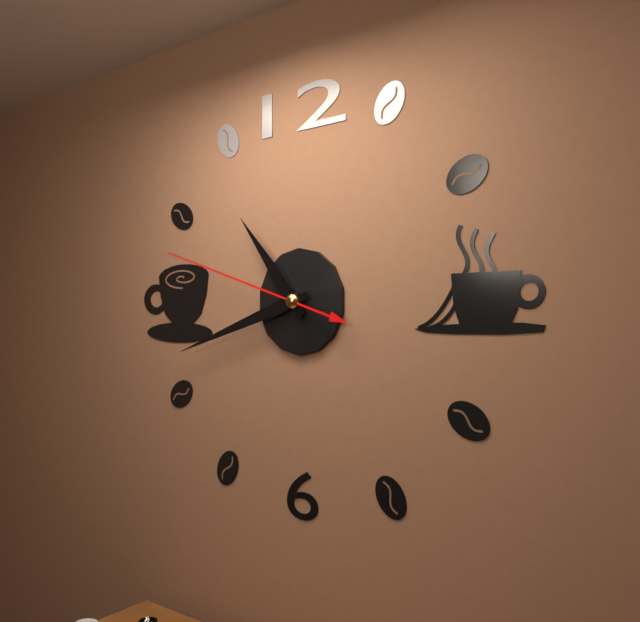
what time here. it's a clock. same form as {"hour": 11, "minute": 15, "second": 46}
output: {"hour": 10, "minute": 42, "second": 48}
